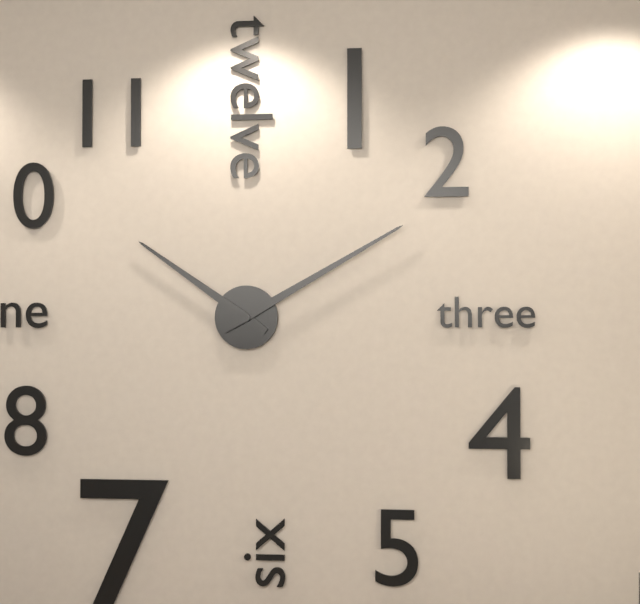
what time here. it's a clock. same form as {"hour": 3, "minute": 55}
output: {"hour": 10, "minute": 10}
